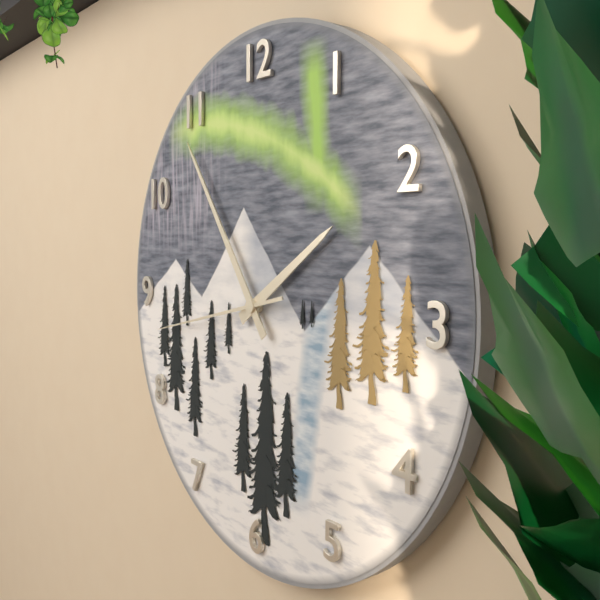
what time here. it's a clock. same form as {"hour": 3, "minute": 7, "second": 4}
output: {"hour": 1, "minute": 54, "second": 43}
